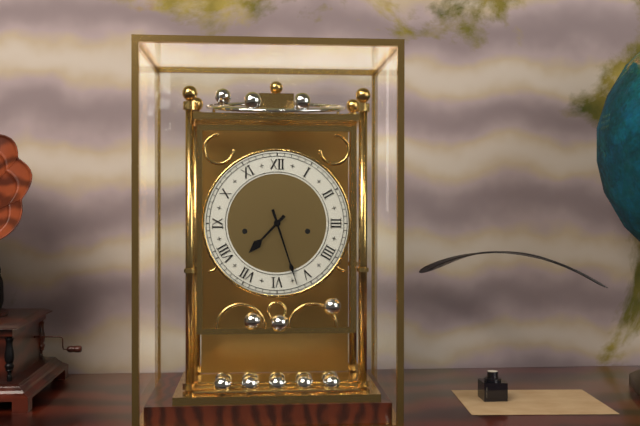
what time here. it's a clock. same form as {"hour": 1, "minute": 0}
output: {"hour": 7, "minute": 27}
